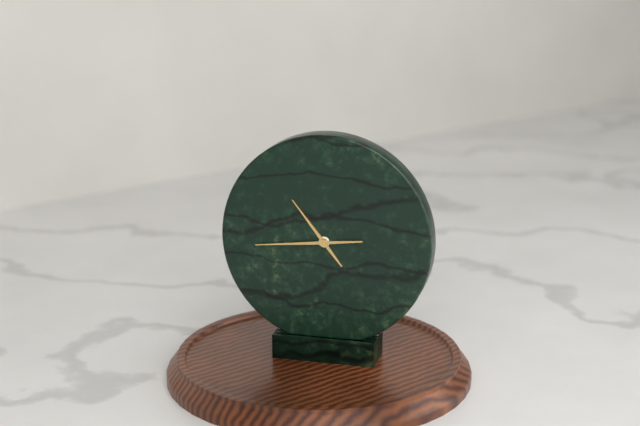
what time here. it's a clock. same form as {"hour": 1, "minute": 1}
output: {"hour": 10, "minute": 44}
